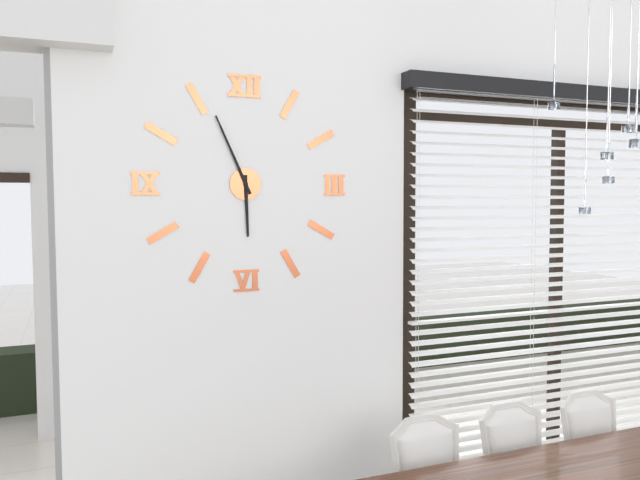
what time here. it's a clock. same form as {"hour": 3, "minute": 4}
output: {"hour": 5, "minute": 56}
